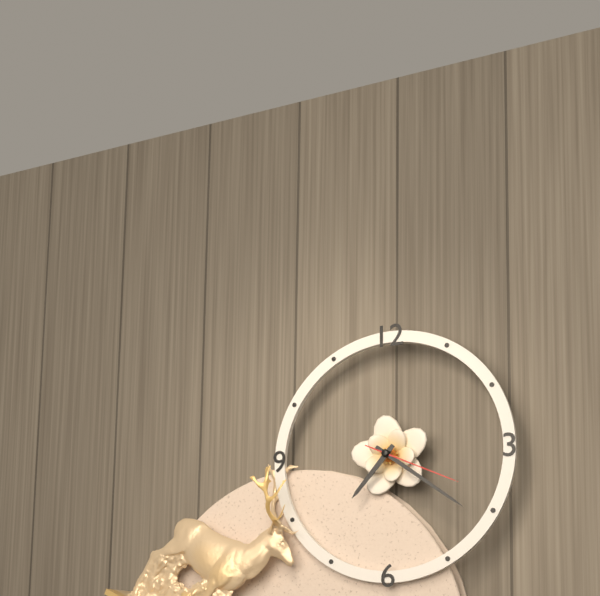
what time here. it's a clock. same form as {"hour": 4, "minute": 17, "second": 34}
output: {"hour": 7, "minute": 21, "second": 19}
